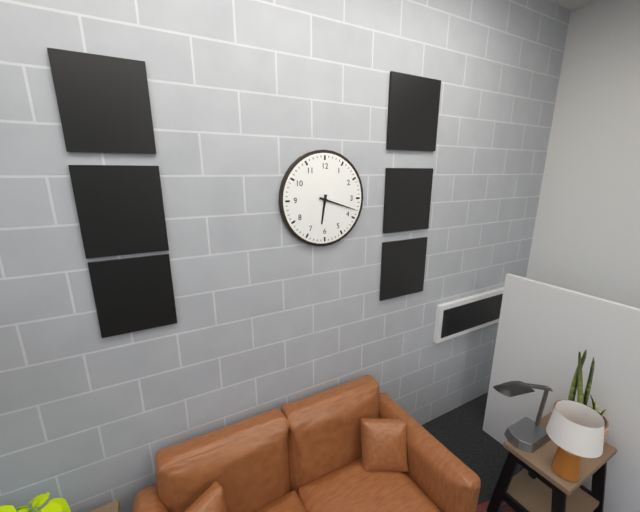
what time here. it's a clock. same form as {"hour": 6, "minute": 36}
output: {"hour": 6, "minute": 18}
